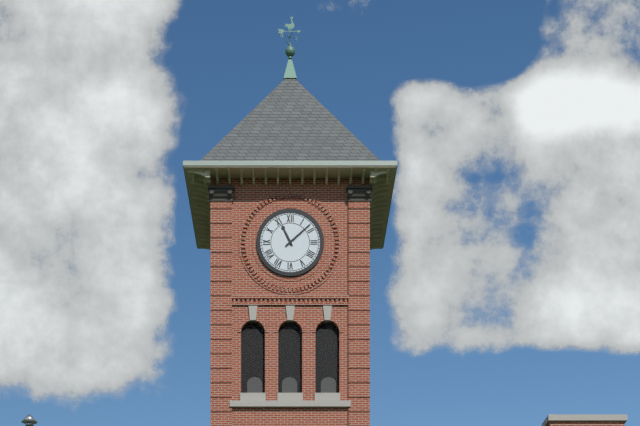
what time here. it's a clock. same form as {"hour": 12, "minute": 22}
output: {"hour": 11, "minute": 8}
